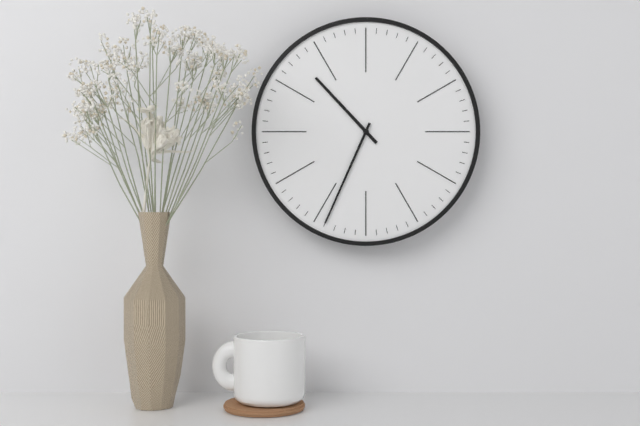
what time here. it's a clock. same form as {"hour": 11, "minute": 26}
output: {"hour": 10, "minute": 34}
